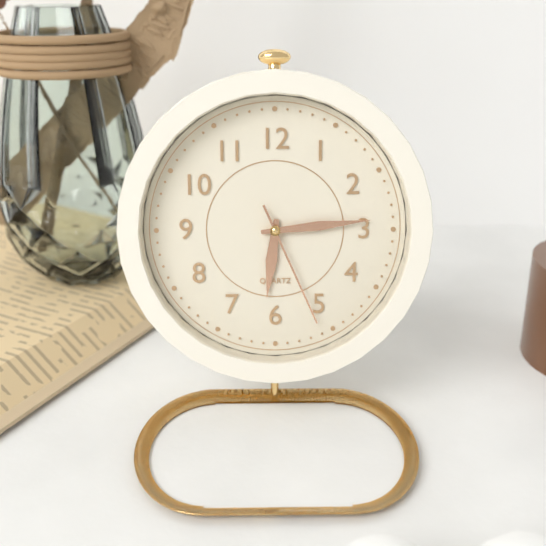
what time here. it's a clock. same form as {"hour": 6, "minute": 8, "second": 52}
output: {"hour": 6, "minute": 14, "second": 26}
